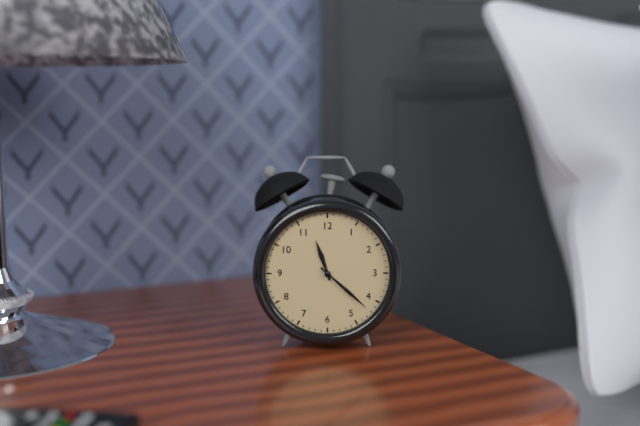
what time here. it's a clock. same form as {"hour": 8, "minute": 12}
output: {"hour": 11, "minute": 22}
